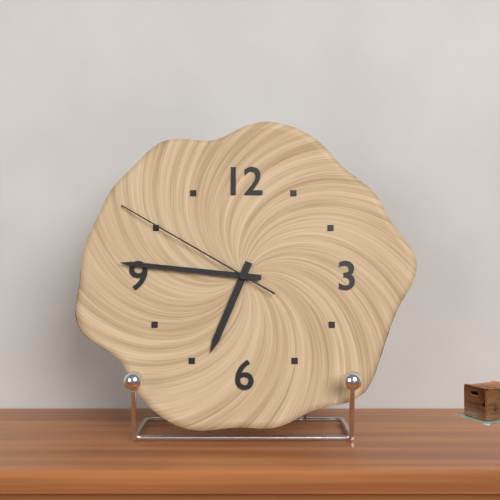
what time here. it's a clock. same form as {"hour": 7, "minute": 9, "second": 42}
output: {"hour": 6, "minute": 46, "second": 50}
